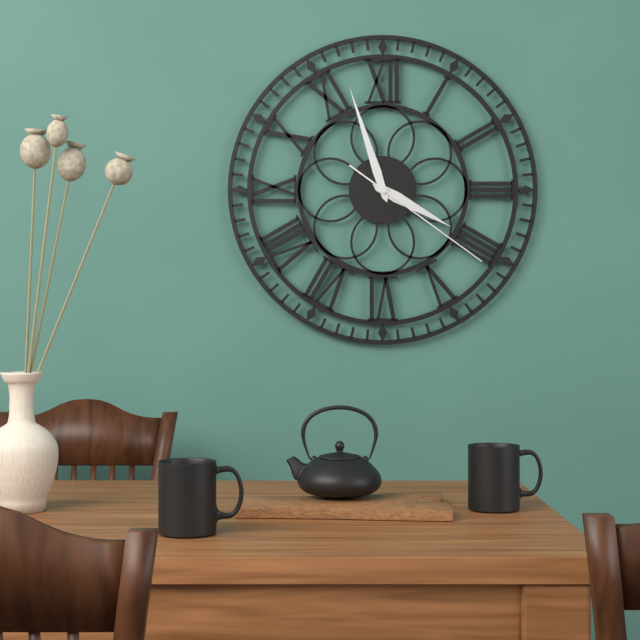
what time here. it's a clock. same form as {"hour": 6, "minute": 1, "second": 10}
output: {"hour": 3, "minute": 57, "second": 21}
